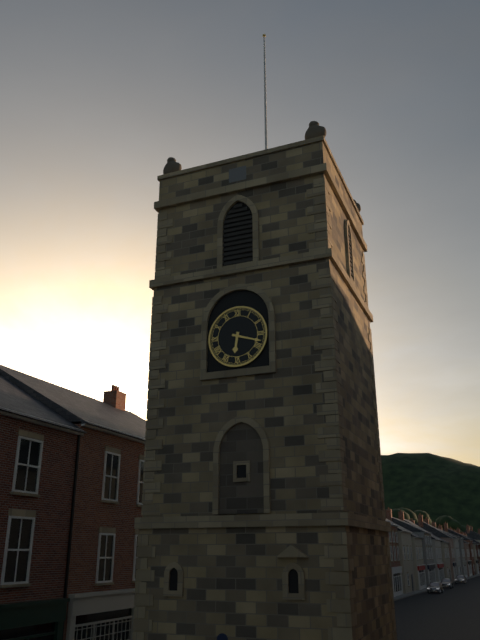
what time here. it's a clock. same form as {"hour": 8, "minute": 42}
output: {"hour": 6, "minute": 18}
